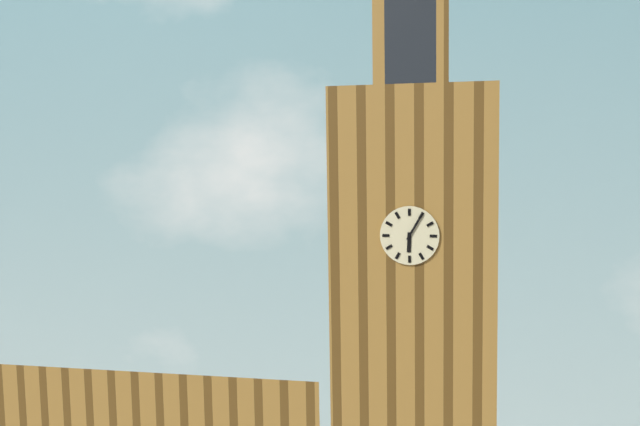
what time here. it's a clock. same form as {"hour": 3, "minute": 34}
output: {"hour": 6, "minute": 5}
